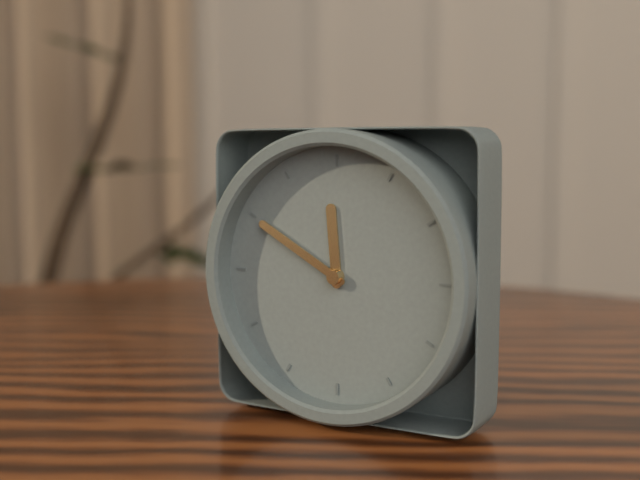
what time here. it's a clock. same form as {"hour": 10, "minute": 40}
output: {"hour": 11, "minute": 50}
